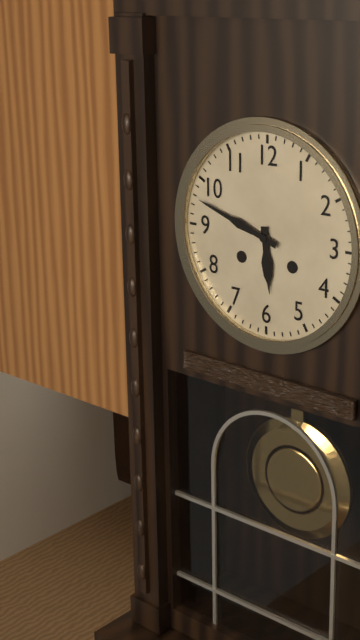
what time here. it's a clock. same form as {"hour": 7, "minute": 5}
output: {"hour": 5, "minute": 48}
